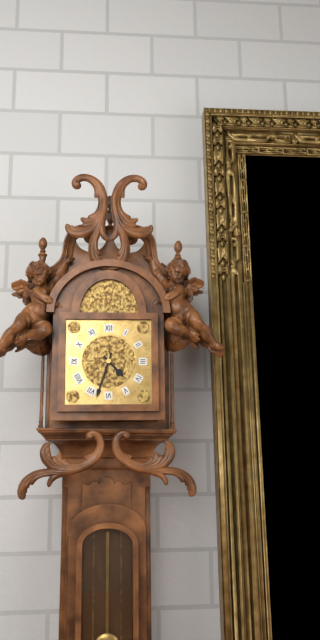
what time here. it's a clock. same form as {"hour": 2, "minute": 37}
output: {"hour": 4, "minute": 33}
